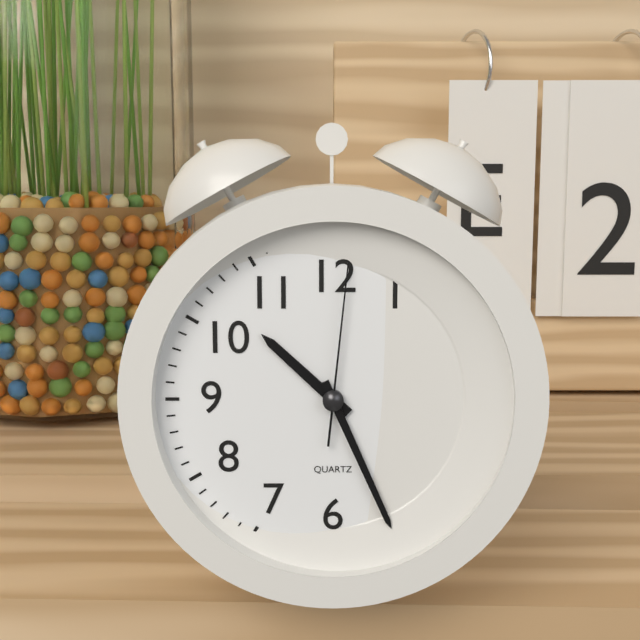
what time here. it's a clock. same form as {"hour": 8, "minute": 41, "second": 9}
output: {"hour": 10, "minute": 26, "second": 1}
